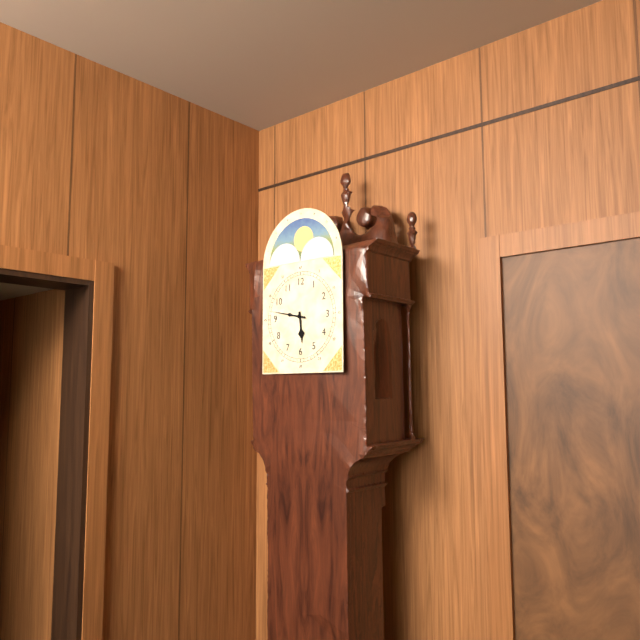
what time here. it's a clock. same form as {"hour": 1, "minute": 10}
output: {"hour": 5, "minute": 47}
